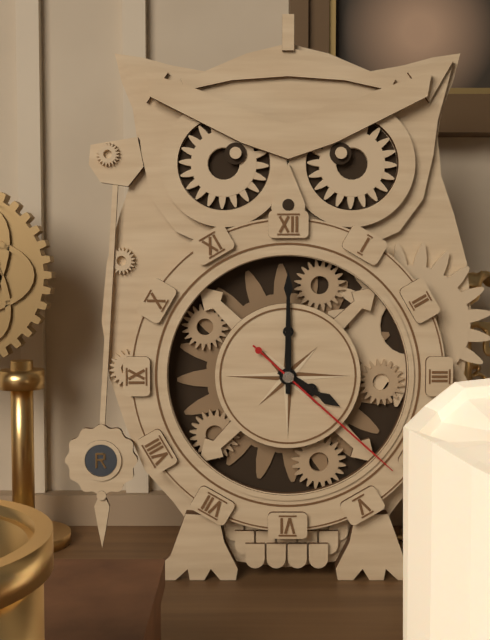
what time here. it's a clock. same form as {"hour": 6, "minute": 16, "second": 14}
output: {"hour": 4, "minute": 0, "second": 22}
